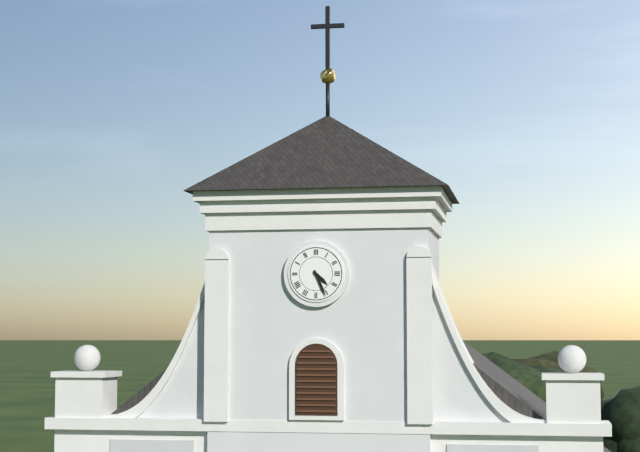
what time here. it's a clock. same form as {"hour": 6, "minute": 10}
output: {"hour": 4, "minute": 26}
